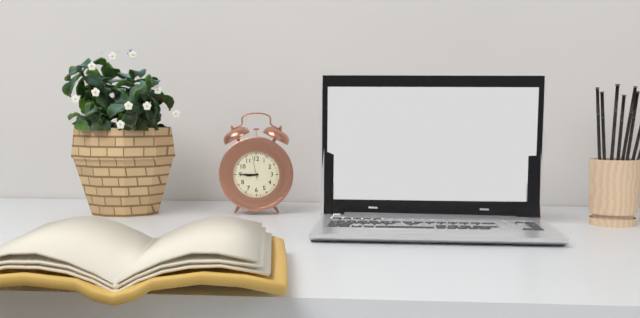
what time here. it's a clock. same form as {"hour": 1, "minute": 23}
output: {"hour": 8, "minute": 45}
